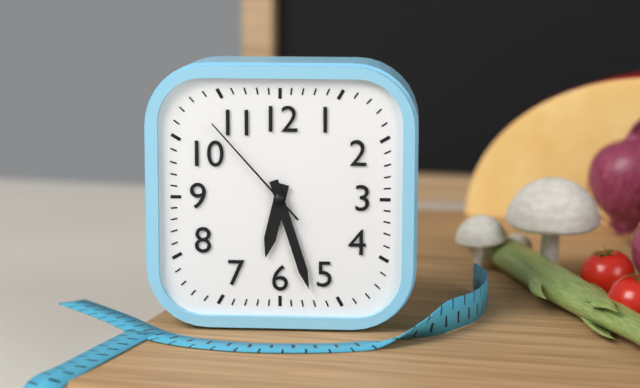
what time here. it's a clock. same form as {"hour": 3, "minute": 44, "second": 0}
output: {"hour": 6, "minute": 27, "second": 53}
